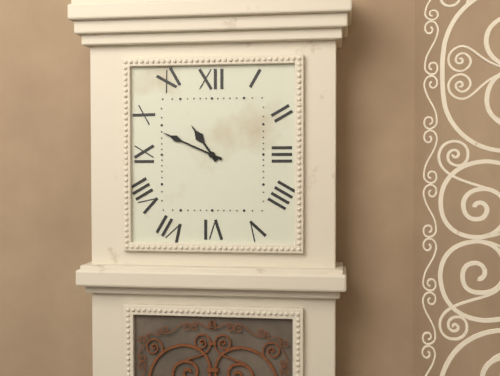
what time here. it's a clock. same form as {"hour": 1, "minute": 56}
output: {"hour": 10, "minute": 49}
